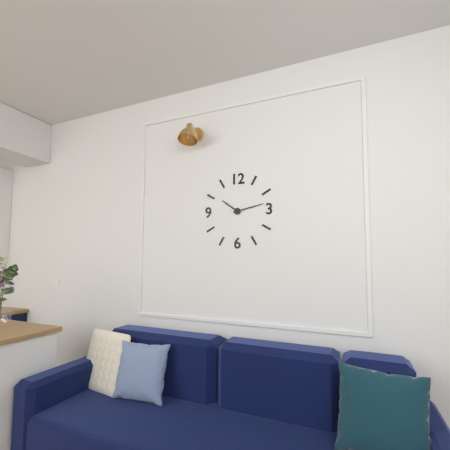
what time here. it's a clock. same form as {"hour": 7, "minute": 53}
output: {"hour": 10, "minute": 13}
